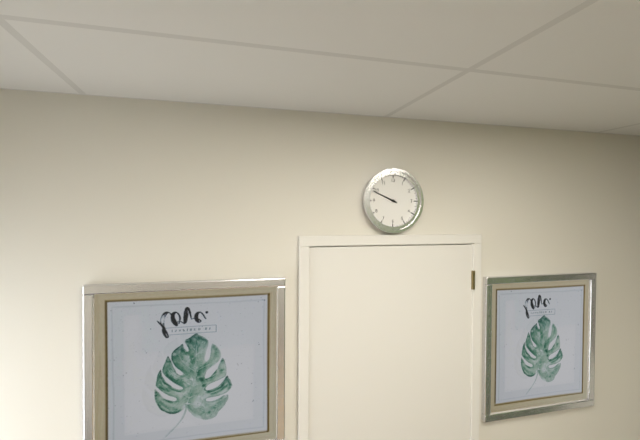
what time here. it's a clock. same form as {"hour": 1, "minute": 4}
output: {"hour": 9, "minute": 49}
